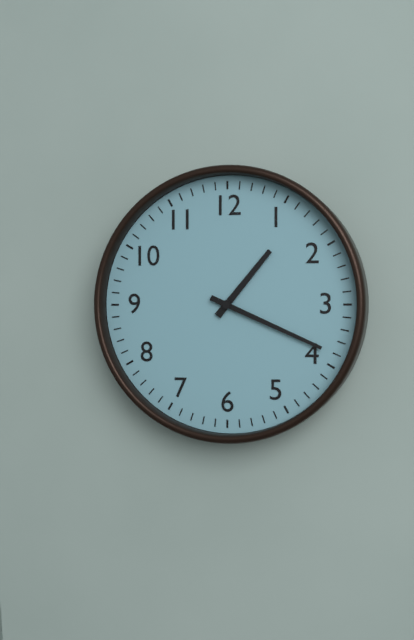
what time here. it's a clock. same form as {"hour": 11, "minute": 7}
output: {"hour": 1, "minute": 19}
